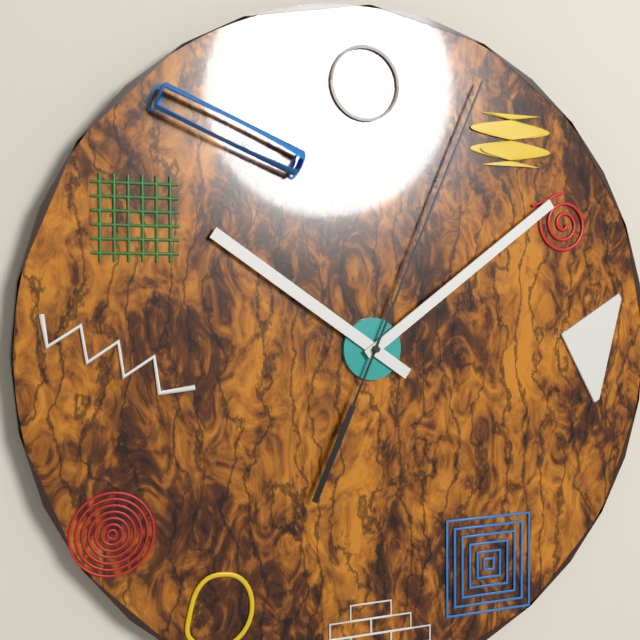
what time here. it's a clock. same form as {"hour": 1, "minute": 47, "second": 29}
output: {"hour": 10, "minute": 9, "second": 4}
